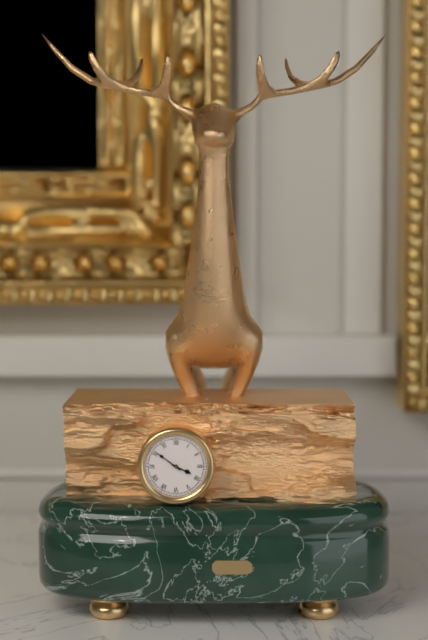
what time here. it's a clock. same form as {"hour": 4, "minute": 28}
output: {"hour": 3, "minute": 51}
